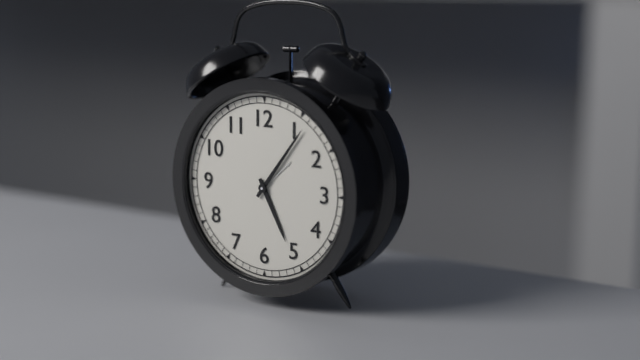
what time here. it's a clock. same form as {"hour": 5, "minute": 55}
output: {"hour": 5, "minute": 6}
